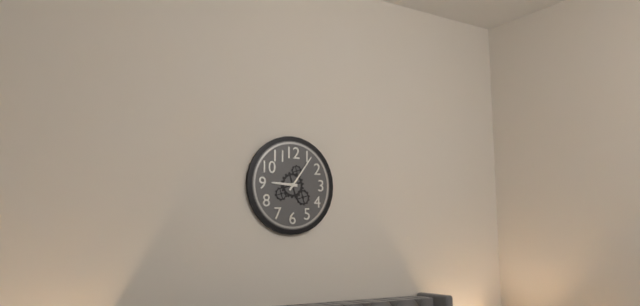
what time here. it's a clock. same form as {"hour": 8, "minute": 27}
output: {"hour": 9, "minute": 6}
